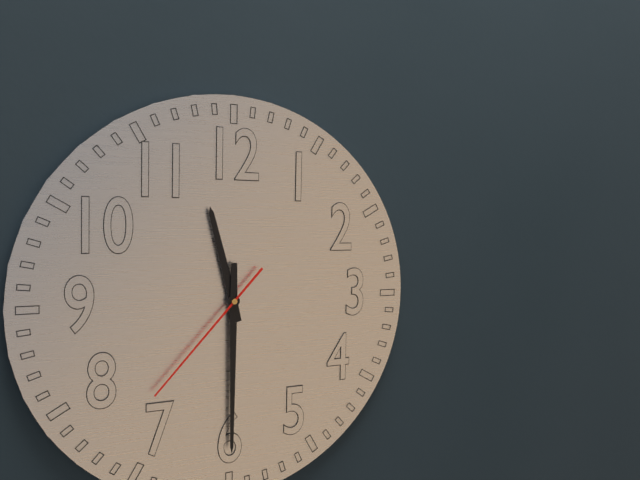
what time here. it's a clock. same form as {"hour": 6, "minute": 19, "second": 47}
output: {"hour": 11, "minute": 30, "second": 37}
